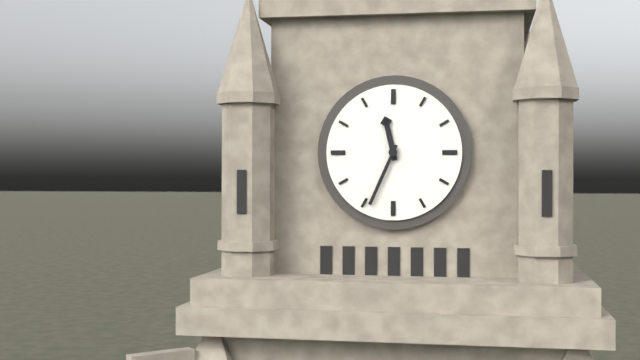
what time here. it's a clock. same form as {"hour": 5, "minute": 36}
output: {"hour": 11, "minute": 34}
